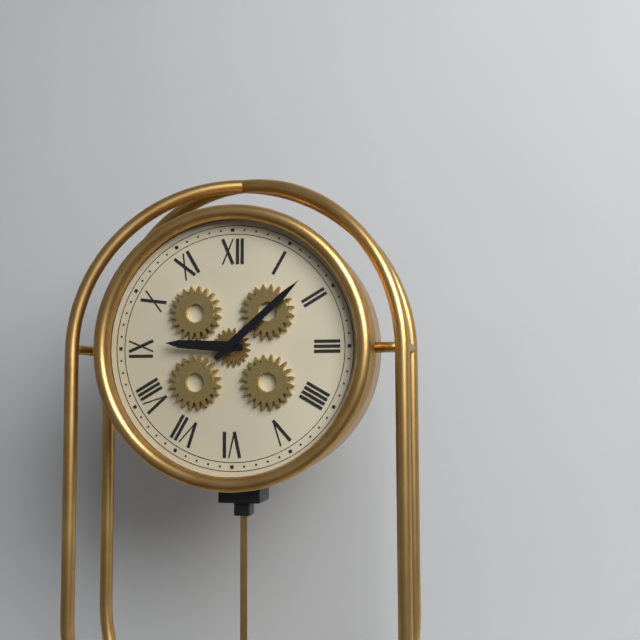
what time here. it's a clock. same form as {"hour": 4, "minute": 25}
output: {"hour": 9, "minute": 8}
